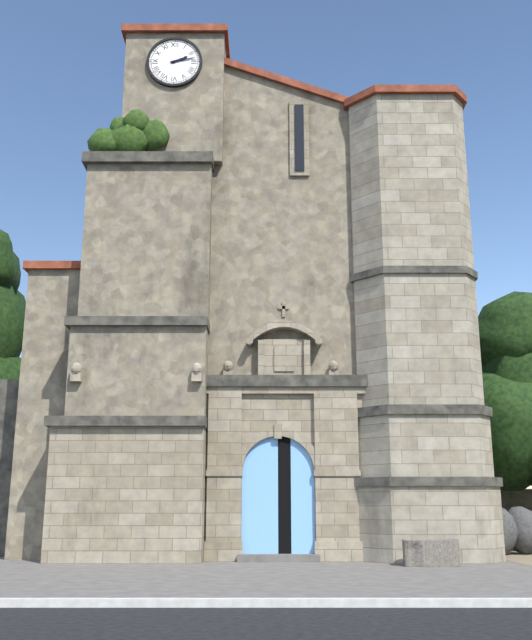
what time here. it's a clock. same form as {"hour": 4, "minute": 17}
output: {"hour": 2, "minute": 13}
